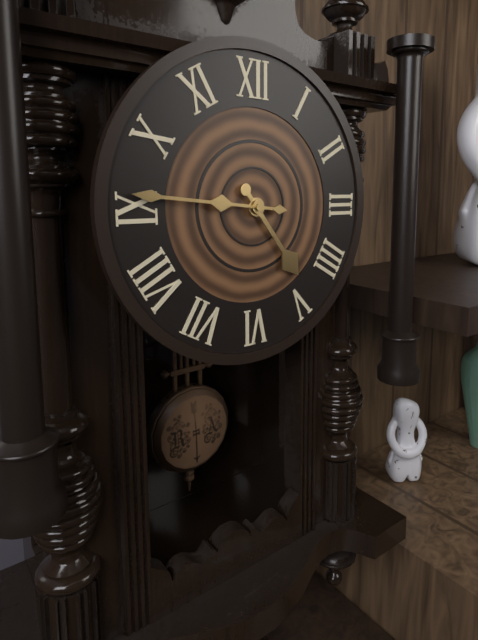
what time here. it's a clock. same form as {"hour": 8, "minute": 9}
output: {"hour": 4, "minute": 46}
